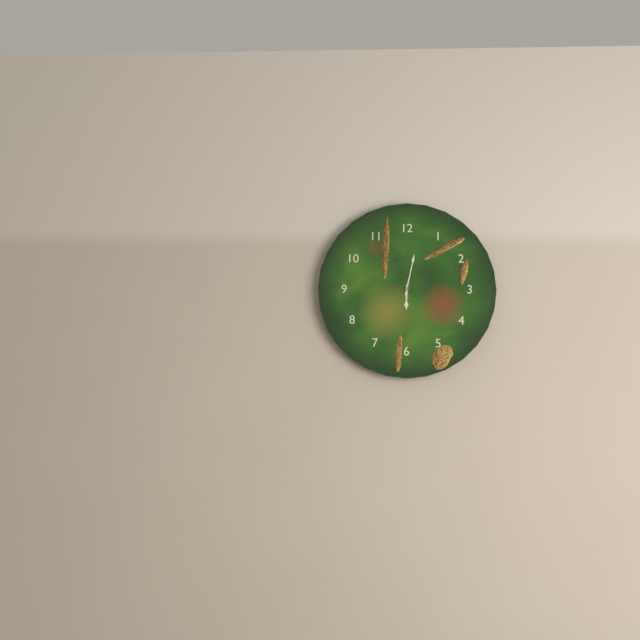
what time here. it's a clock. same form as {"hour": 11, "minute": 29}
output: {"hour": 6, "minute": 2}
